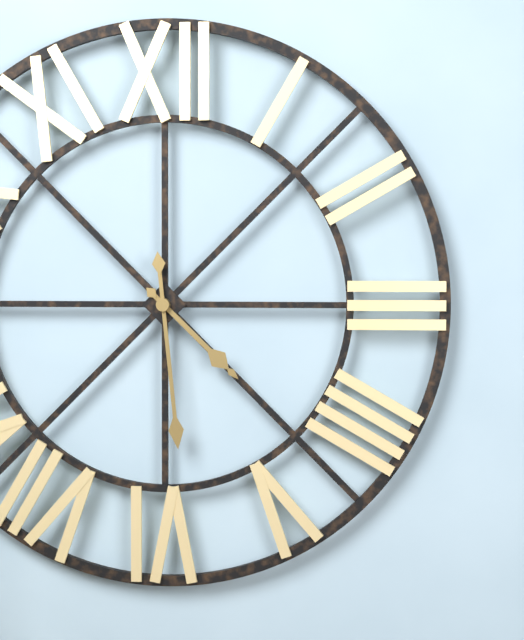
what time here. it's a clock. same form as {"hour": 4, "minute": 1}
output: {"hour": 4, "minute": 29}
